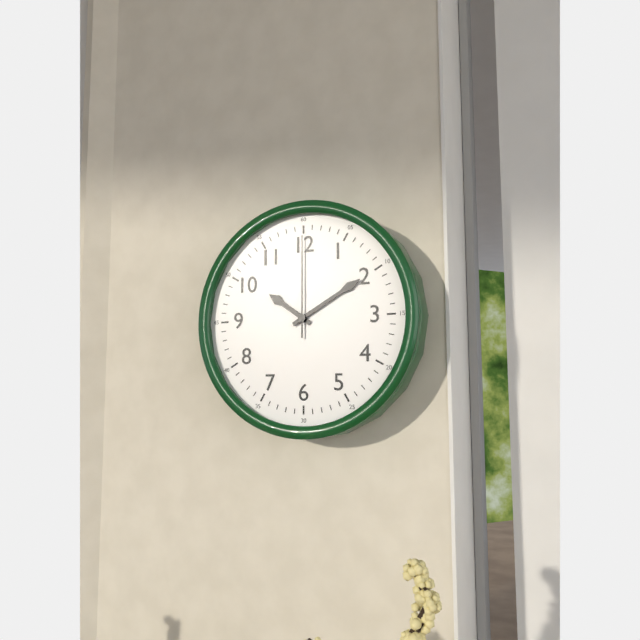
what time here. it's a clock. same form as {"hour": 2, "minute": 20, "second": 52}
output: {"hour": 10, "minute": 10, "second": 0}
